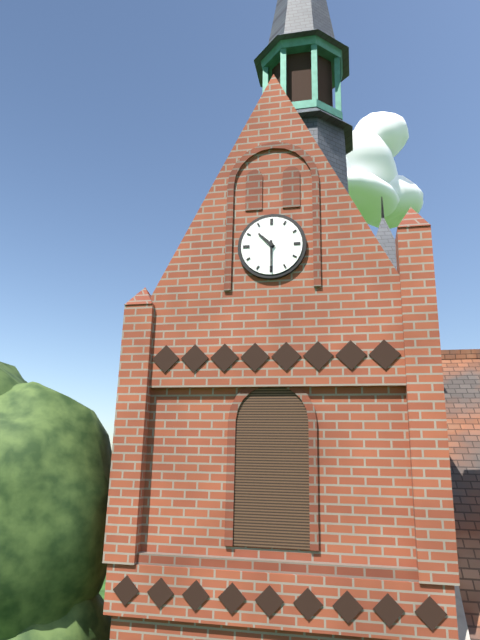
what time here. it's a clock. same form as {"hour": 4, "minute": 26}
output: {"hour": 10, "minute": 30}
